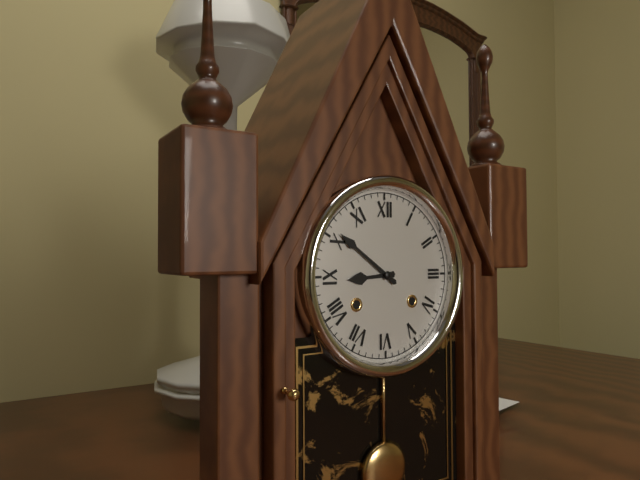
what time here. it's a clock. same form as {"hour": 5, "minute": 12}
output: {"hour": 8, "minute": 51}
